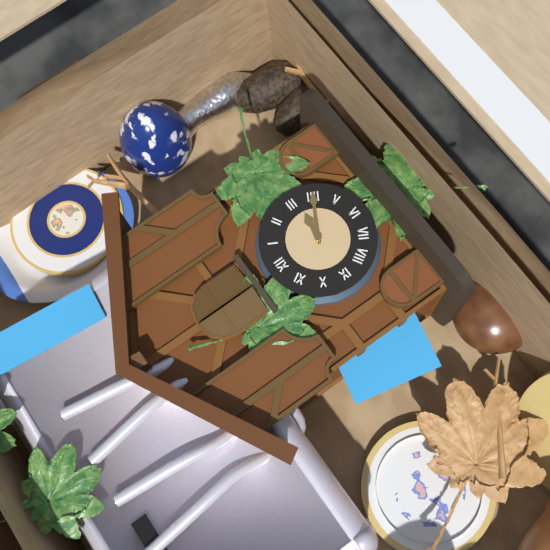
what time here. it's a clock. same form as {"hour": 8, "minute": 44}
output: {"hour": 3, "minute": 20}
